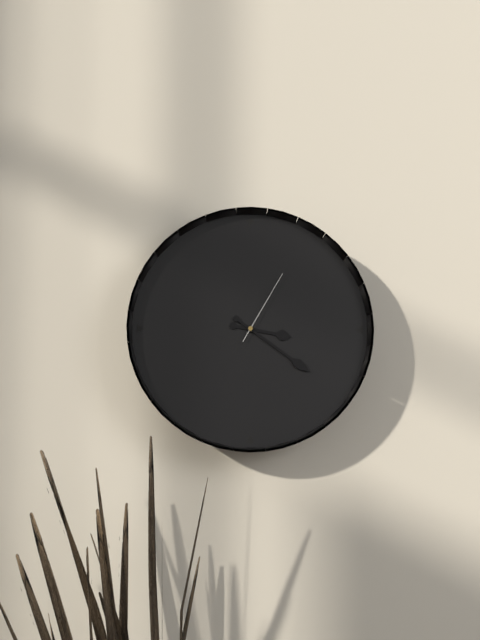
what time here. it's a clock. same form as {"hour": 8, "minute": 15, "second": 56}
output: {"hour": 3, "minute": 21, "second": 5}
